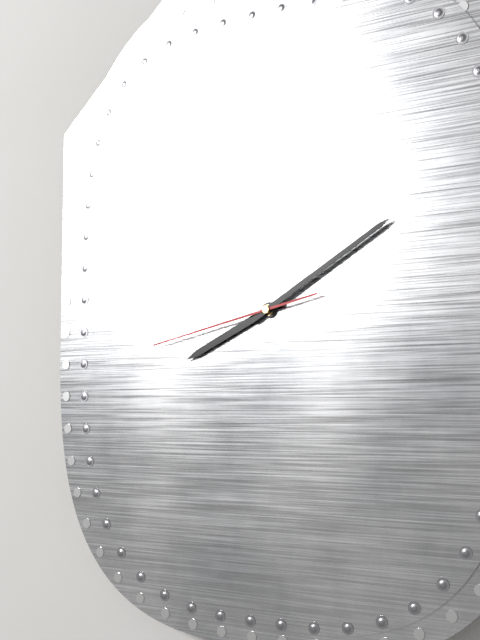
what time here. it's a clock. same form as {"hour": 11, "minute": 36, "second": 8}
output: {"hour": 8, "minute": 10, "second": 43}
